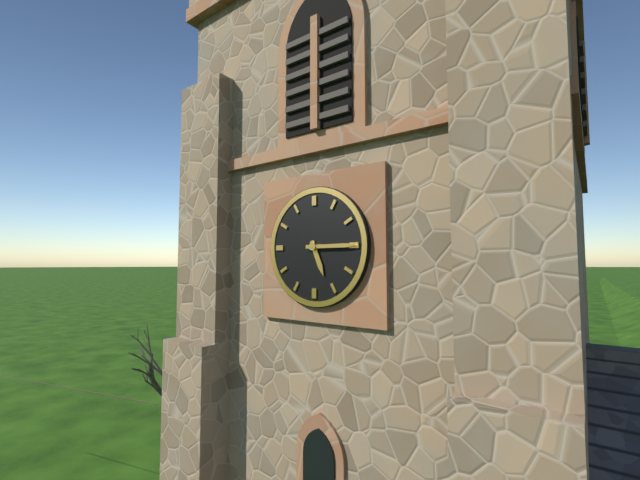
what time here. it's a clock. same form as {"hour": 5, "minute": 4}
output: {"hour": 5, "minute": 15}
